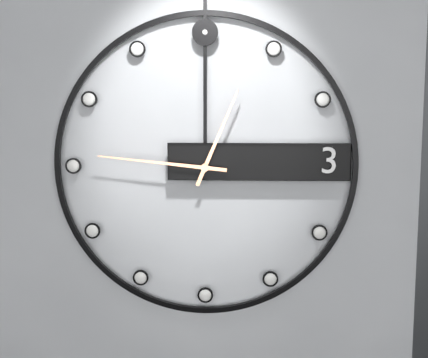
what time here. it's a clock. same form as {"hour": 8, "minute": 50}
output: {"hour": 12, "minute": 46}
